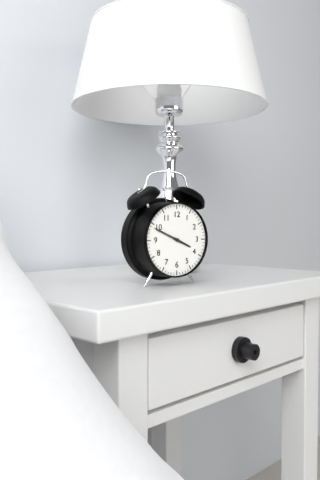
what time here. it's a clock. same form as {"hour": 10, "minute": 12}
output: {"hour": 3, "minute": 49}
